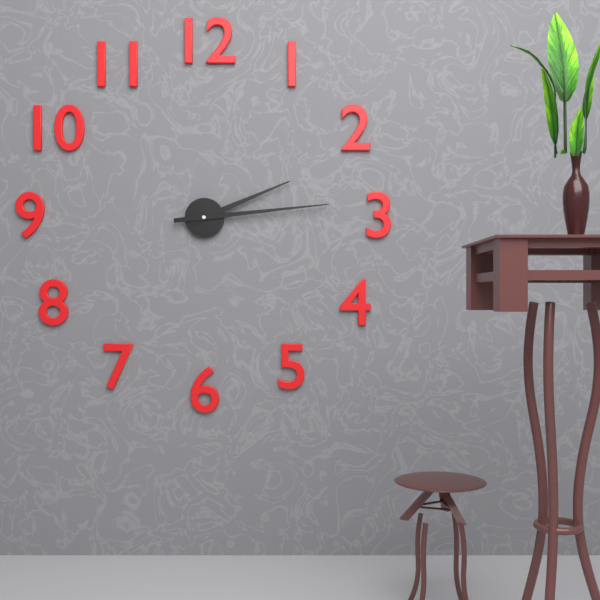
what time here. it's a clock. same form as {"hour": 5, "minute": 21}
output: {"hour": 2, "minute": 14}
